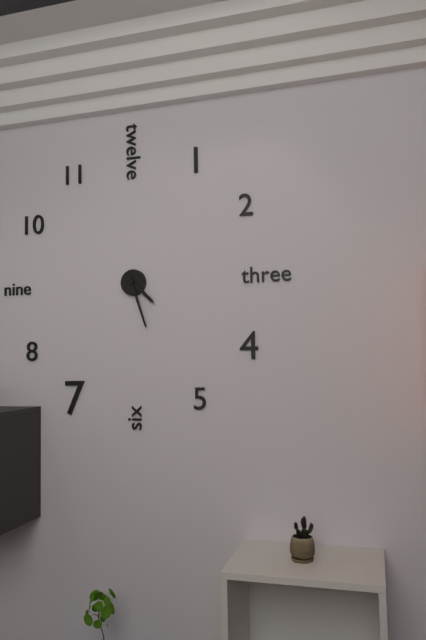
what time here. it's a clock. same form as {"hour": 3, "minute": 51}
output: {"hour": 4, "minute": 27}
